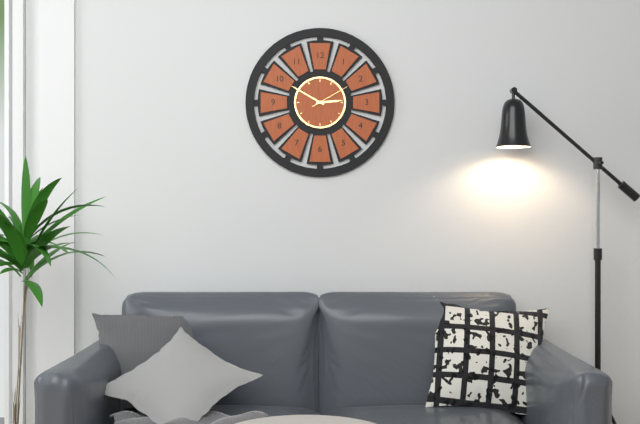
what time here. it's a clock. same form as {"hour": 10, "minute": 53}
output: {"hour": 2, "minute": 50}
